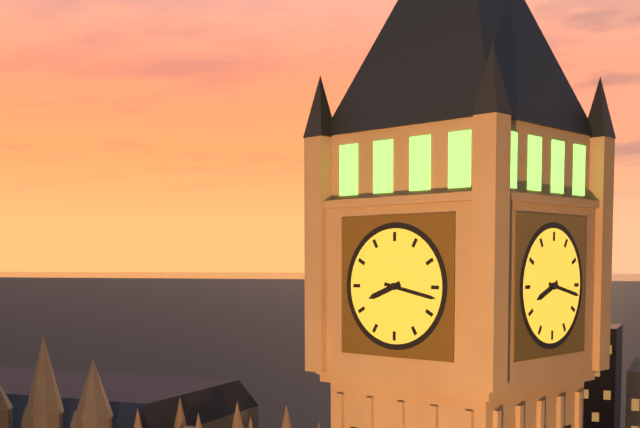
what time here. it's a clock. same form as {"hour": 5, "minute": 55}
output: {"hour": 8, "minute": 17}
